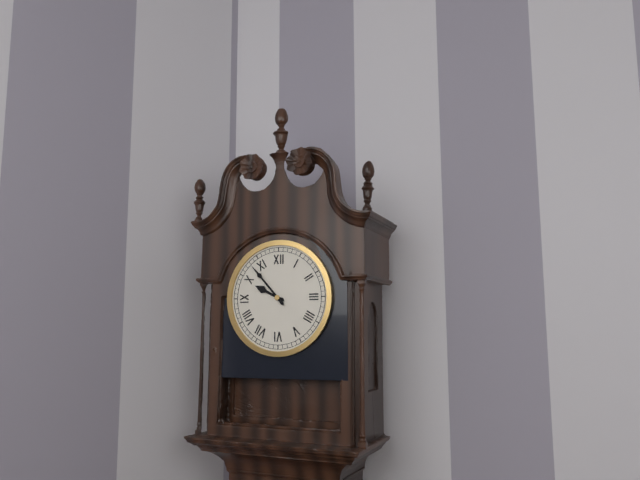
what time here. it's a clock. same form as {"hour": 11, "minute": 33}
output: {"hour": 9, "minute": 53}
